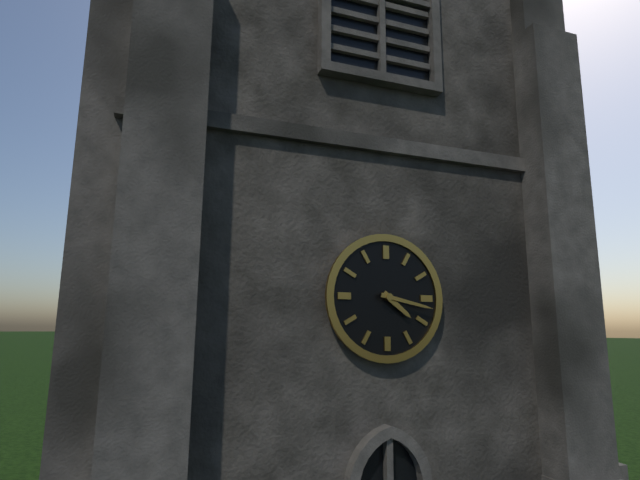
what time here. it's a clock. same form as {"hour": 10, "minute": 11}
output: {"hour": 4, "minute": 17}
